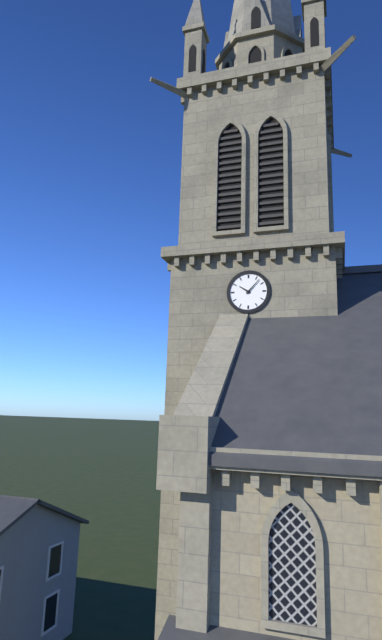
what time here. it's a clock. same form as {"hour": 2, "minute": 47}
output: {"hour": 10, "minute": 7}
